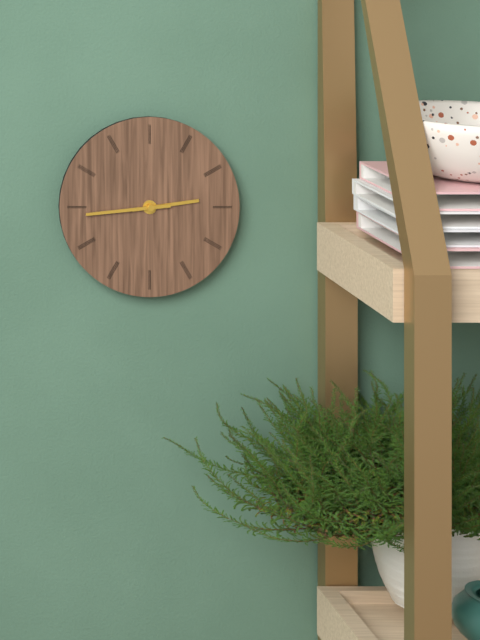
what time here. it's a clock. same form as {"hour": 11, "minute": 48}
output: {"hour": 2, "minute": 44}
